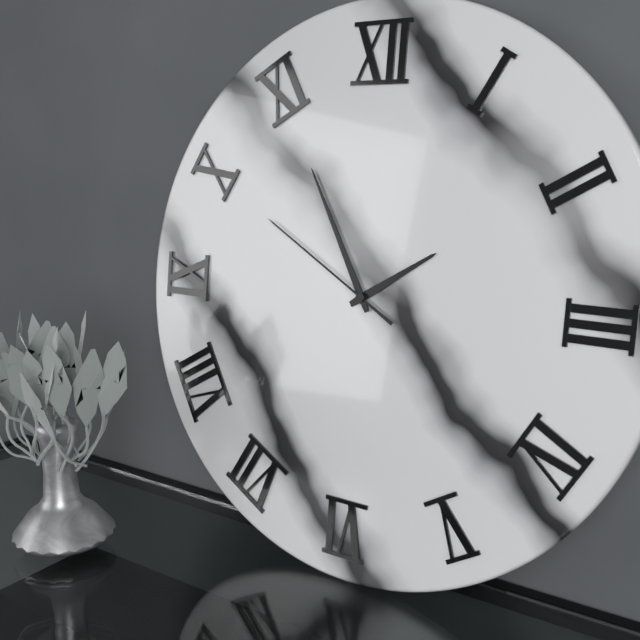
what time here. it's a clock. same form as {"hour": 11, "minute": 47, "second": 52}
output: {"hour": 1, "minute": 55, "second": 50}
